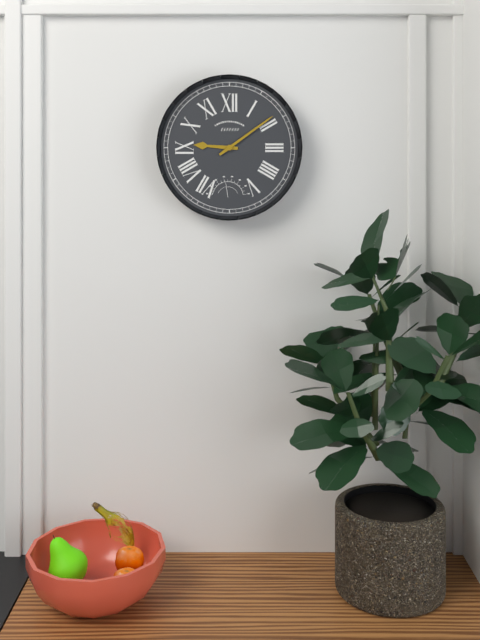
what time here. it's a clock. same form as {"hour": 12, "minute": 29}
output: {"hour": 9, "minute": 9}
